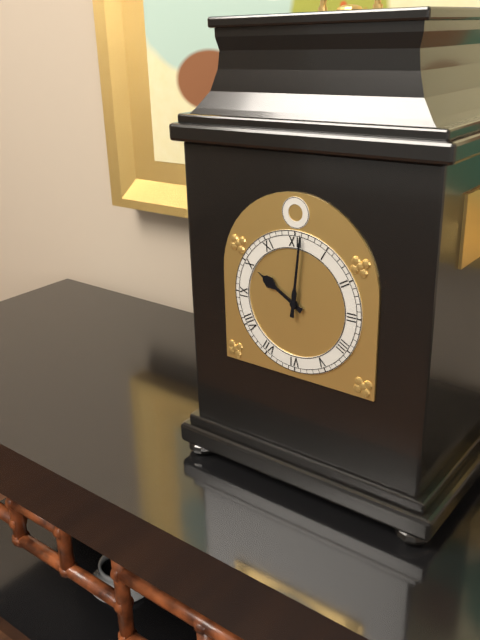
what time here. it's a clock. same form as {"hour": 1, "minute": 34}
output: {"hour": 10, "minute": 1}
